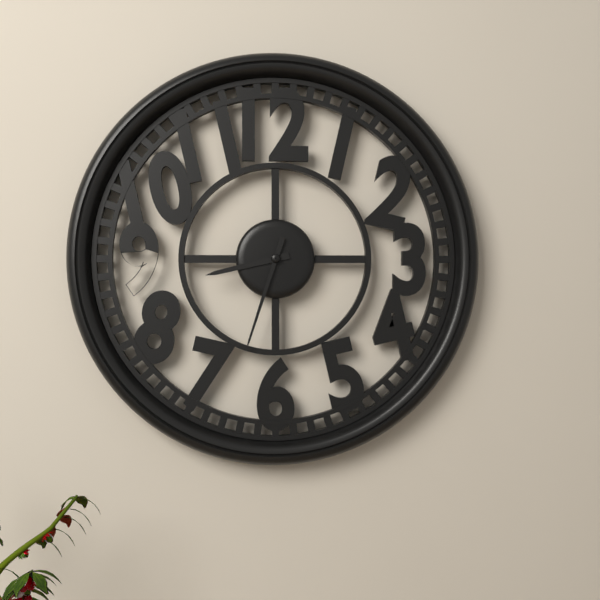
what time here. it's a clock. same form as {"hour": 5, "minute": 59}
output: {"hour": 8, "minute": 33}
